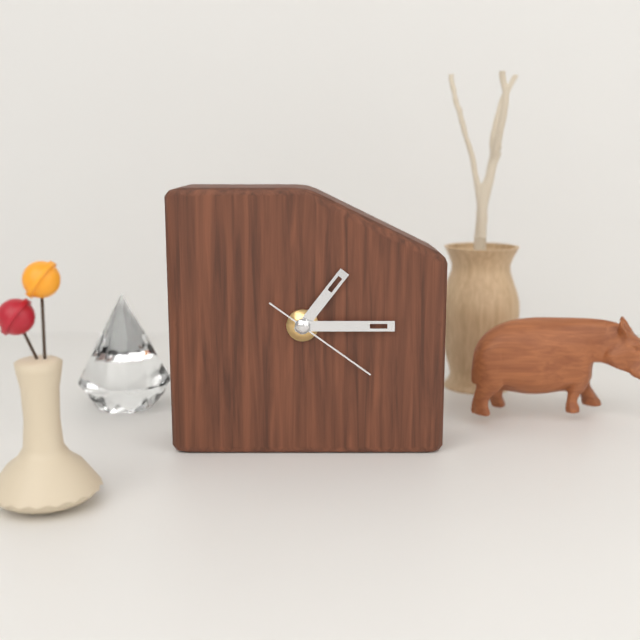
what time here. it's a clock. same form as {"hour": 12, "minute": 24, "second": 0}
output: {"hour": 1, "minute": 15, "second": 21}
